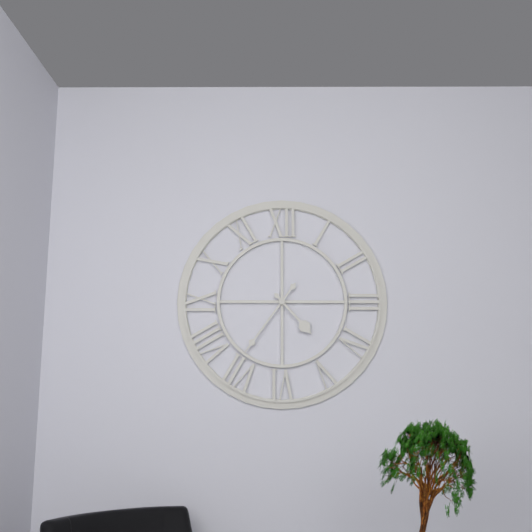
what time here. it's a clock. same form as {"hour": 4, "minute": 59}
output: {"hour": 4, "minute": 36}
